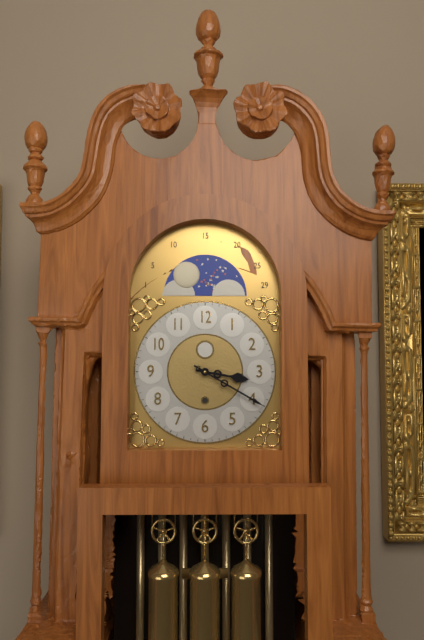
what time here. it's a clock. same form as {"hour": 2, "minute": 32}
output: {"hour": 3, "minute": 20}
